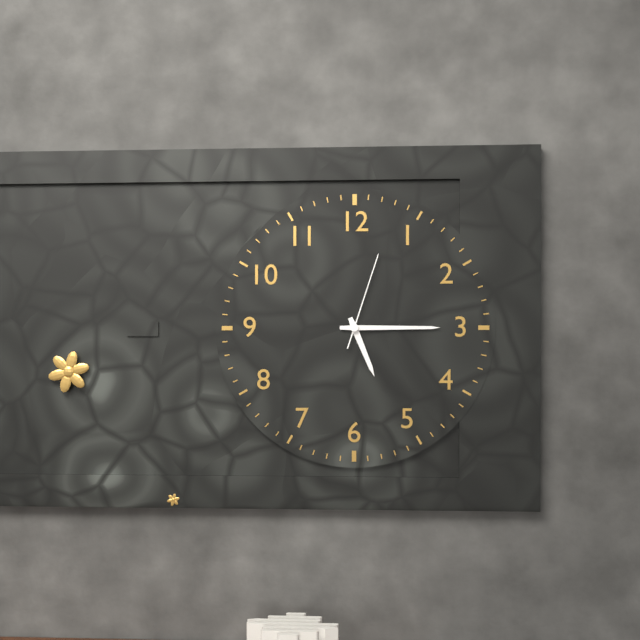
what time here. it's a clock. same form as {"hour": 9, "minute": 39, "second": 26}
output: {"hour": 5, "minute": 15, "second": 3}
